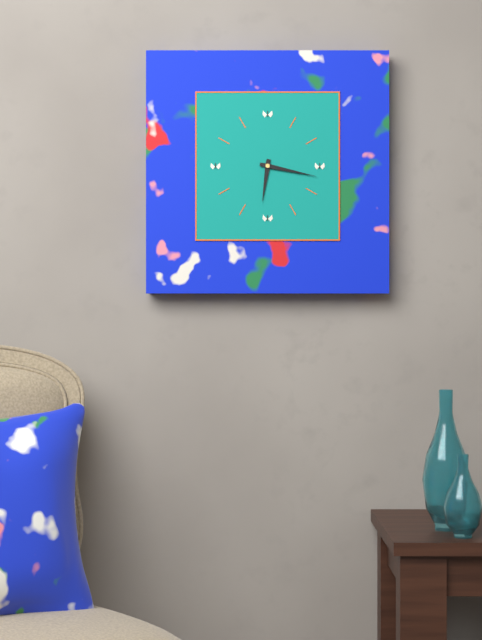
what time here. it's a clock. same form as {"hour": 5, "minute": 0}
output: {"hour": 6, "minute": 17}
